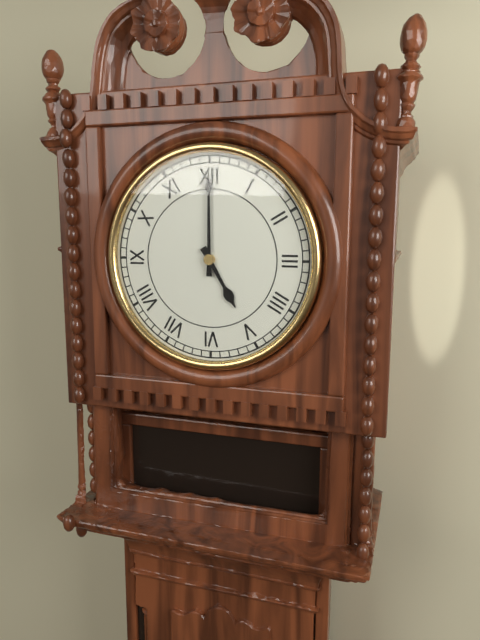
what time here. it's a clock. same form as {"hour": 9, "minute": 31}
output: {"hour": 5, "minute": 0}
